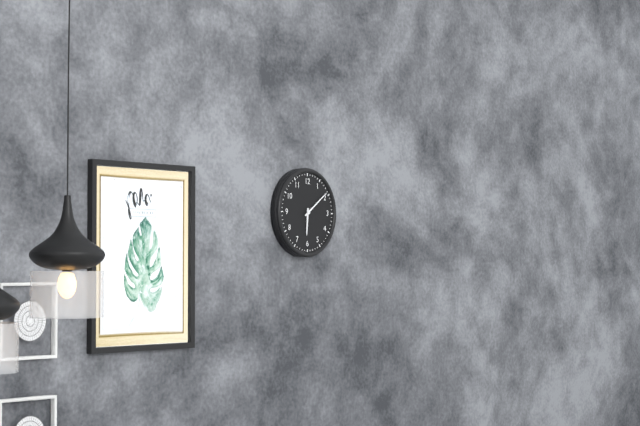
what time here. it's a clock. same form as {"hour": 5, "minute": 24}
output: {"hour": 6, "minute": 9}
